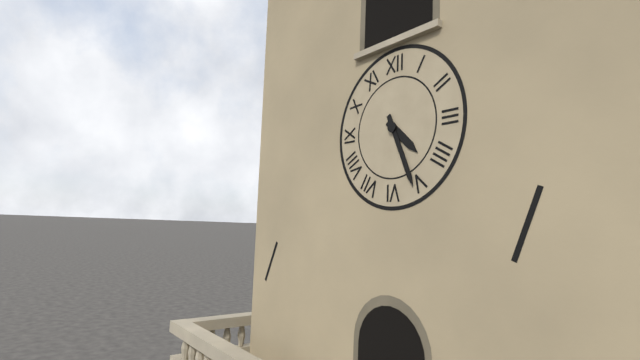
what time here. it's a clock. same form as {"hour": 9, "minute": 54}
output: {"hour": 4, "minute": 26}
